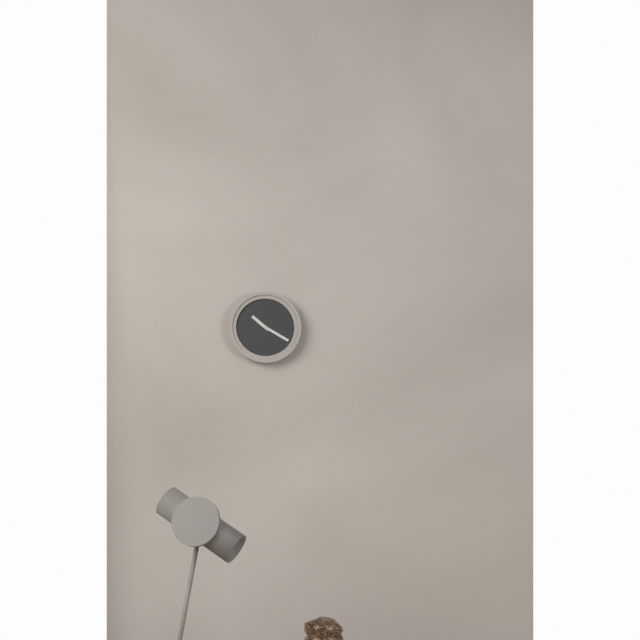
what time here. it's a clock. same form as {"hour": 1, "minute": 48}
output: {"hour": 10, "minute": 20}
